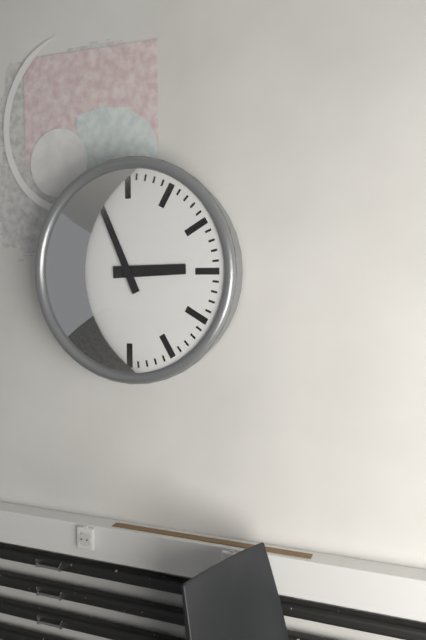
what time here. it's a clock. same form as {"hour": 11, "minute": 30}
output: {"hour": 2, "minute": 56}
